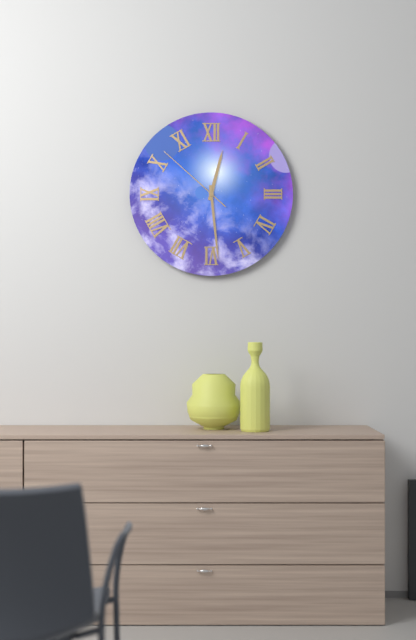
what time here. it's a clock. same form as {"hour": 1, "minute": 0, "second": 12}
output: {"hour": 12, "minute": 29, "second": 52}
